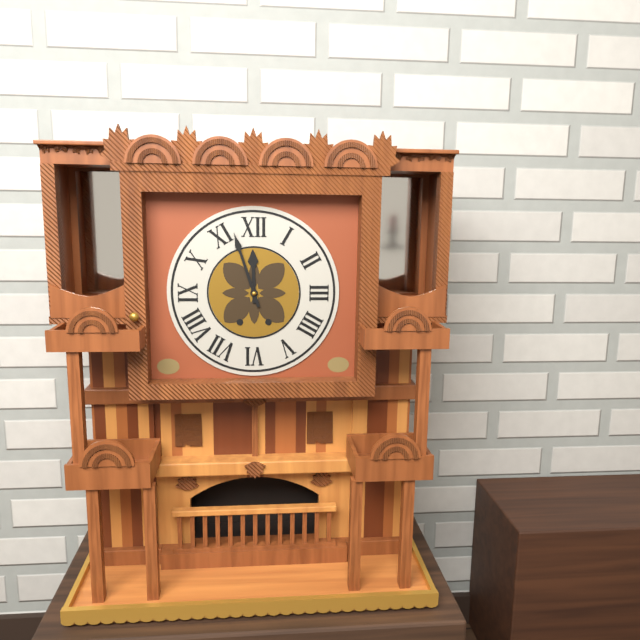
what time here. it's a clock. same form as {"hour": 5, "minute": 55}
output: {"hour": 11, "minute": 57}
